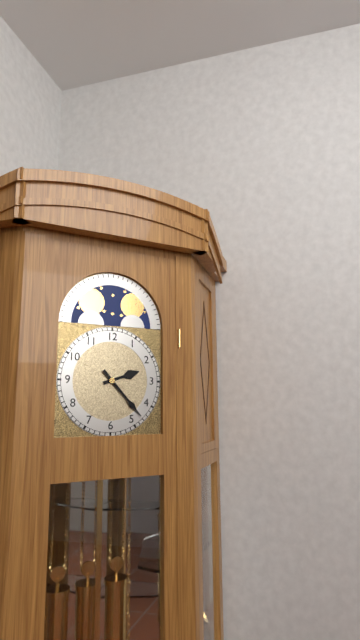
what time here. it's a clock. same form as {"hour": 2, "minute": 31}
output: {"hour": 2, "minute": 23}
